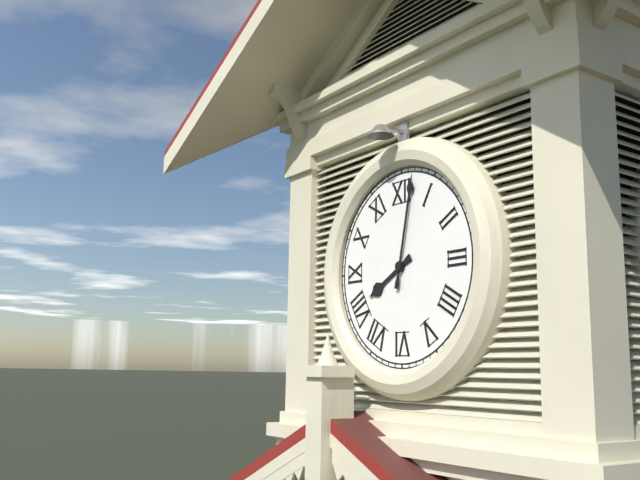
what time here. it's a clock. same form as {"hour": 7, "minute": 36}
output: {"hour": 8, "minute": 2}
